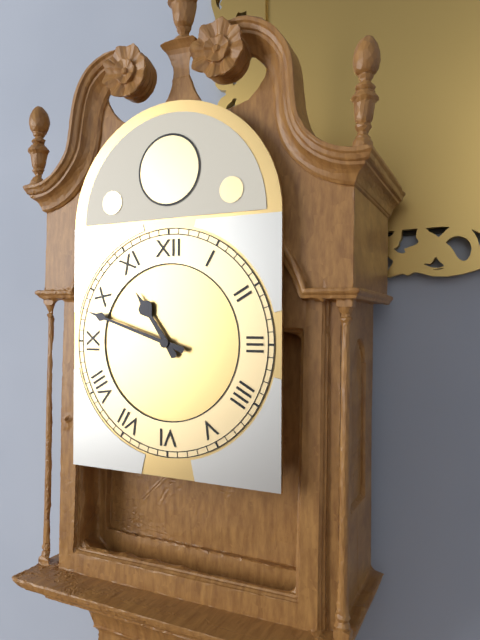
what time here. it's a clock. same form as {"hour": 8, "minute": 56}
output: {"hour": 10, "minute": 48}
